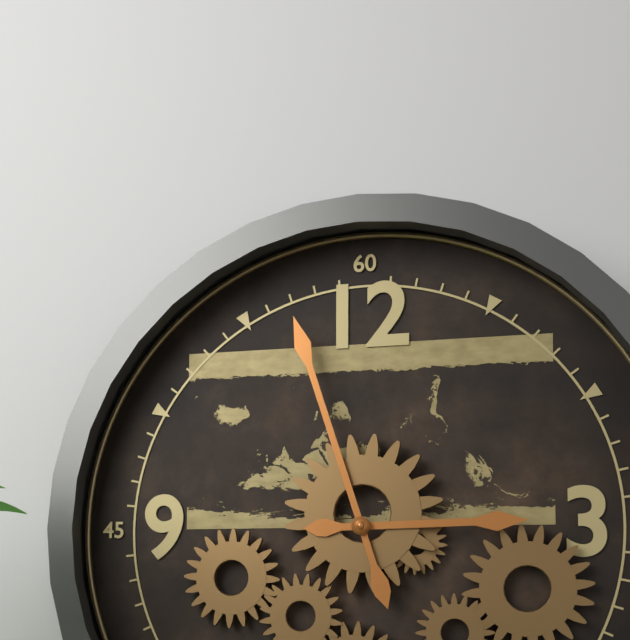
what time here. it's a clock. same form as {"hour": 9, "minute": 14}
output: {"hour": 2, "minute": 57}
